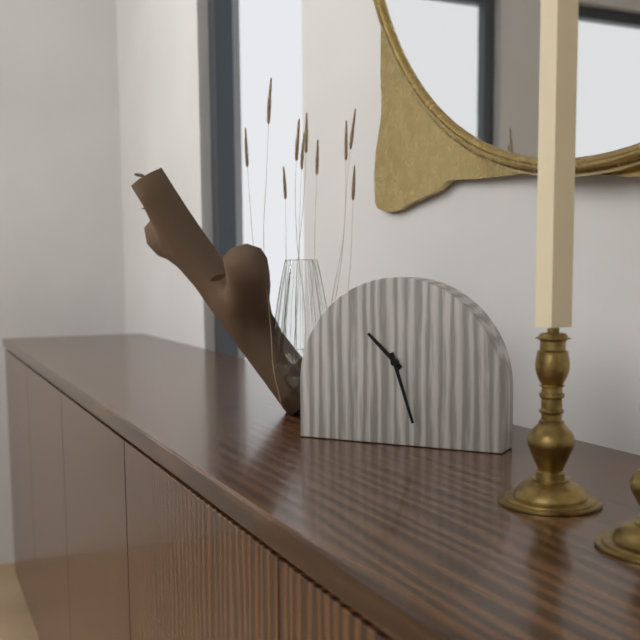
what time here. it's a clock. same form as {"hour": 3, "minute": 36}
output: {"hour": 10, "minute": 27}
